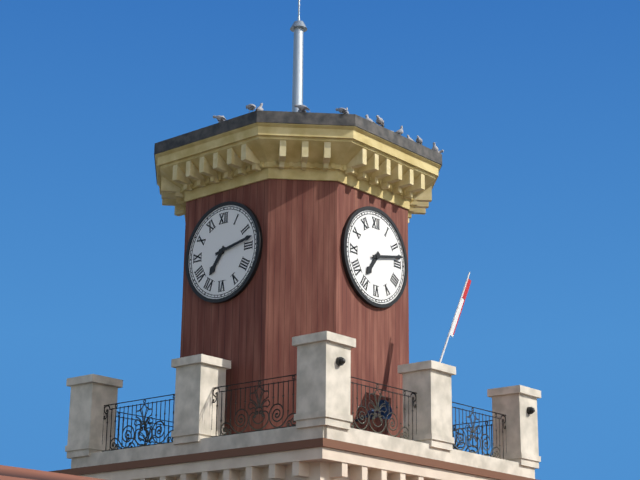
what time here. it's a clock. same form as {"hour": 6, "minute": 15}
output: {"hour": 7, "minute": 13}
